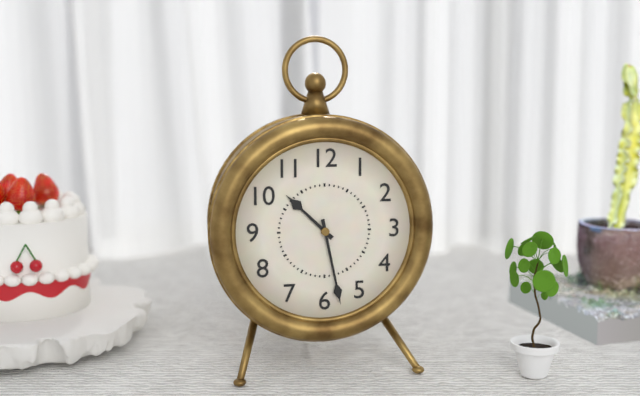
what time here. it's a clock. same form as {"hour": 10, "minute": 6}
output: {"hour": 10, "minute": 28}
